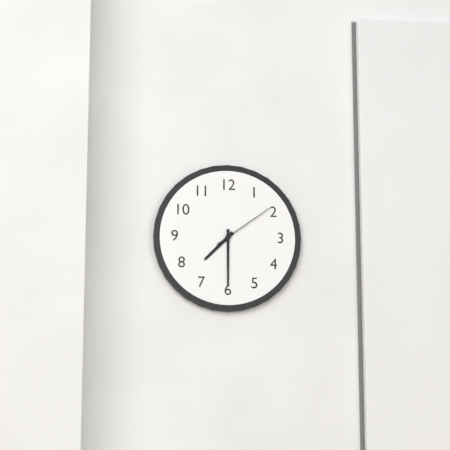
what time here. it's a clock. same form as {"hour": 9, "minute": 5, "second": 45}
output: {"hour": 7, "minute": 30, "second": 9}
